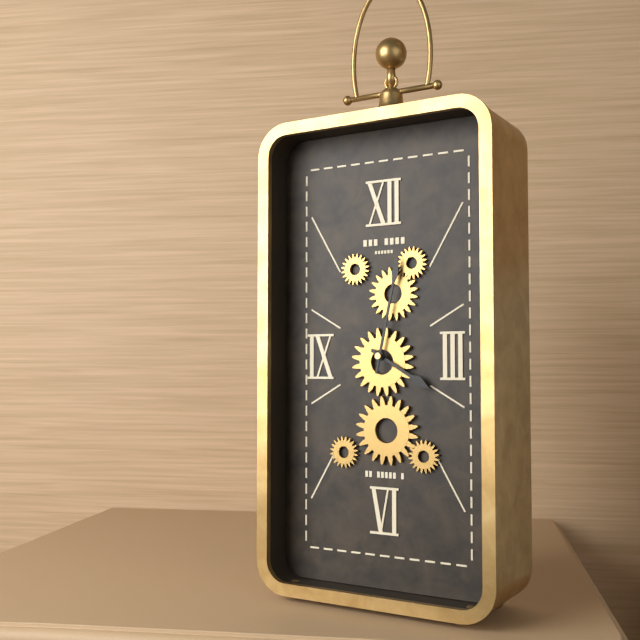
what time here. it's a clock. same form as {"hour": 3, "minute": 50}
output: {"hour": 4, "minute": 2}
